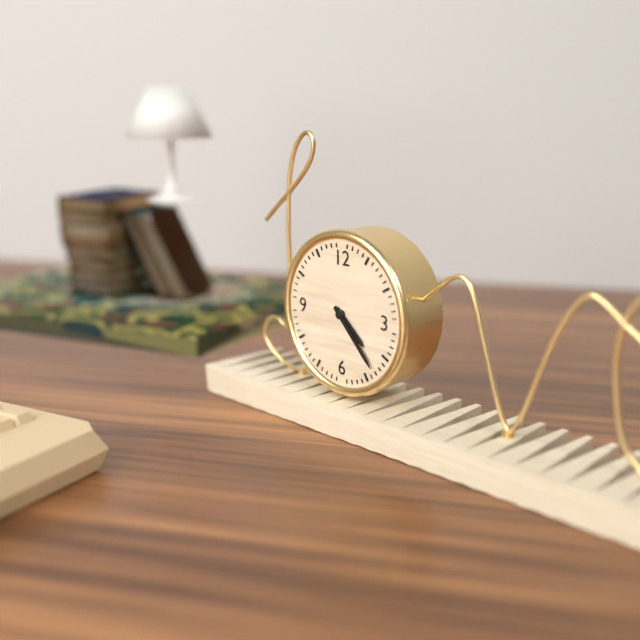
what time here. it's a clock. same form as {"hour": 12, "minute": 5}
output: {"hour": 4, "minute": 23}
